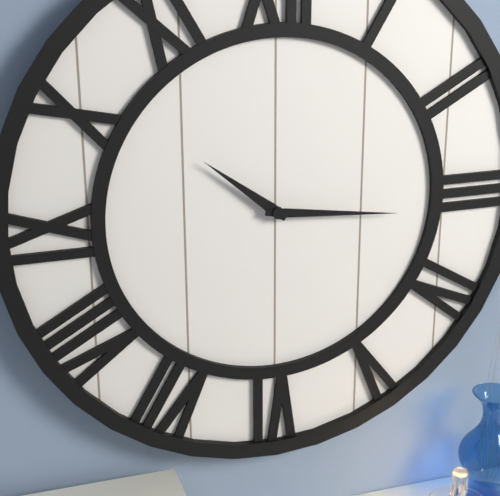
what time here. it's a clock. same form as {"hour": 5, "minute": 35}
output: {"hour": 10, "minute": 16}
